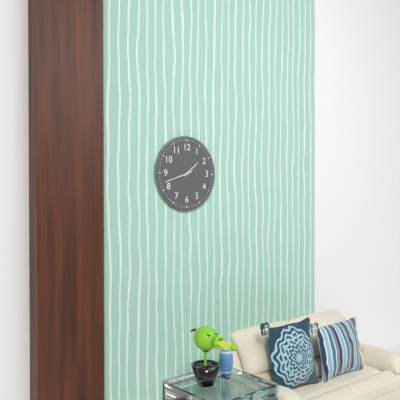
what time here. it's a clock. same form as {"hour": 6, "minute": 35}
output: {"hour": 1, "minute": 42}
